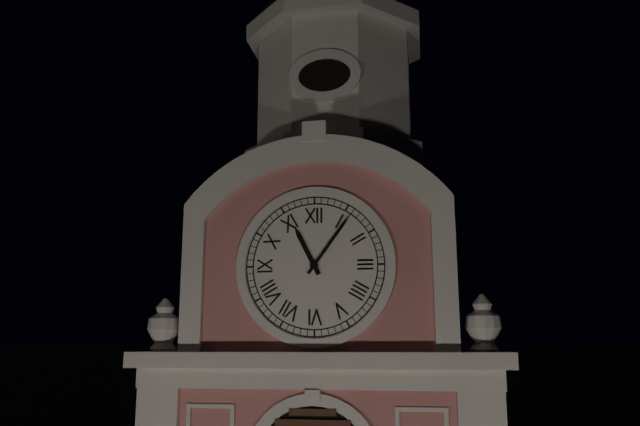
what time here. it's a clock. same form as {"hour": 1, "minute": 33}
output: {"hour": 11, "minute": 6}
